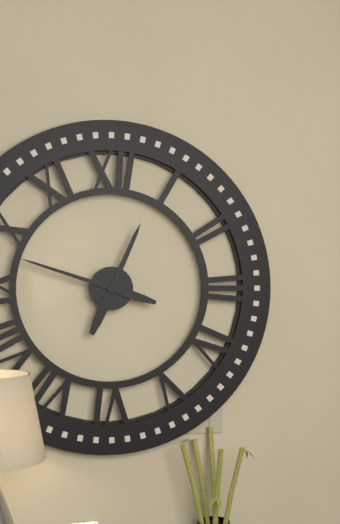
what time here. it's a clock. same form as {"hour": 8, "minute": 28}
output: {"hour": 12, "minute": 48}
